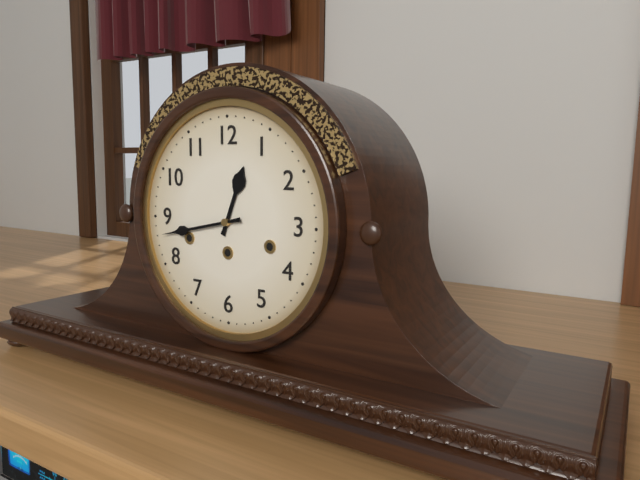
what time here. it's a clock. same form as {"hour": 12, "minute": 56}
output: {"hour": 12, "minute": 43}
